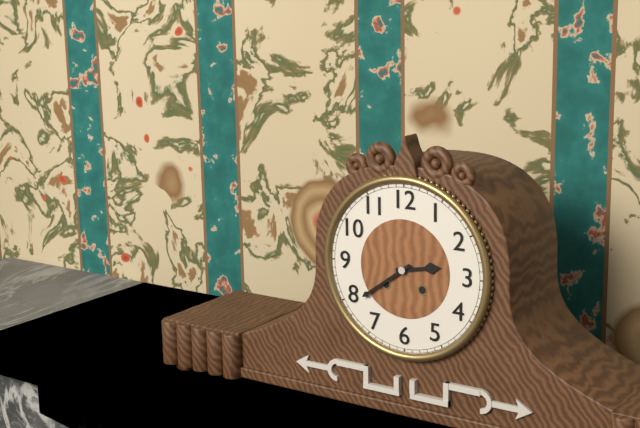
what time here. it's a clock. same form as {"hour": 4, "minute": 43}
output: {"hour": 2, "minute": 39}
